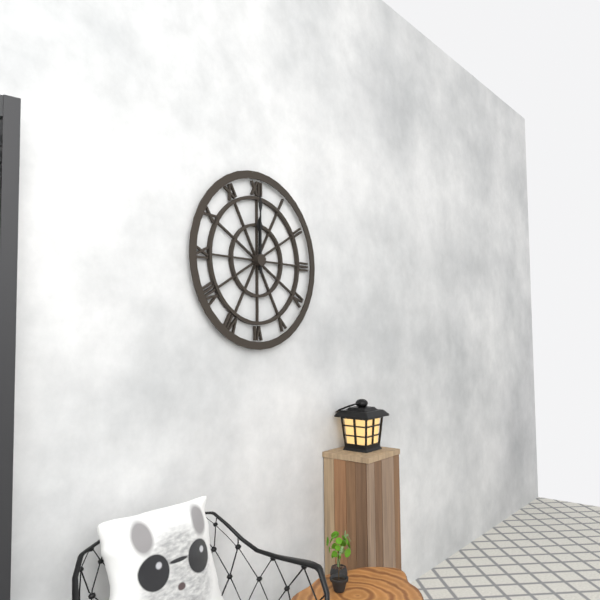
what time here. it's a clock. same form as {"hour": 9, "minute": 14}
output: {"hour": 12, "minute": 0}
